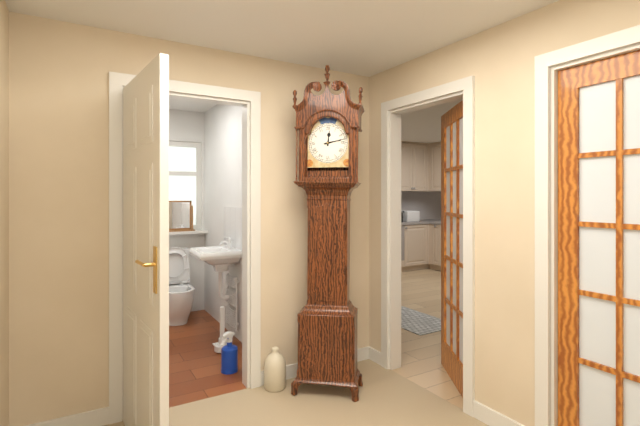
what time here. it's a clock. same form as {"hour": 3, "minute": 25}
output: {"hour": 12, "minute": 13}
